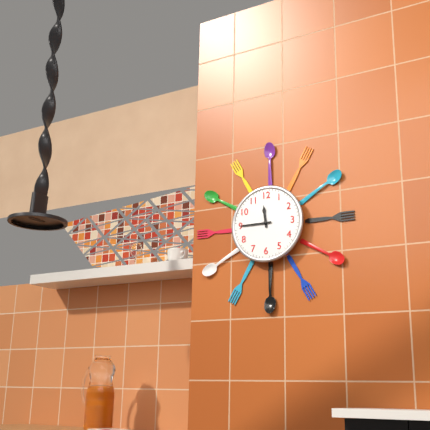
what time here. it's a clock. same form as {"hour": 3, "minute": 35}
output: {"hour": 11, "minute": 45}
